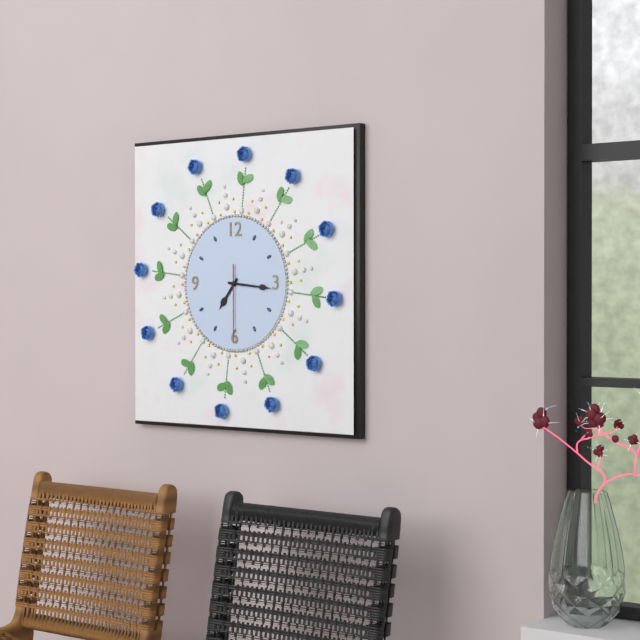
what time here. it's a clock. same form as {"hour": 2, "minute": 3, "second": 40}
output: {"hour": 7, "minute": 16, "second": 30}
